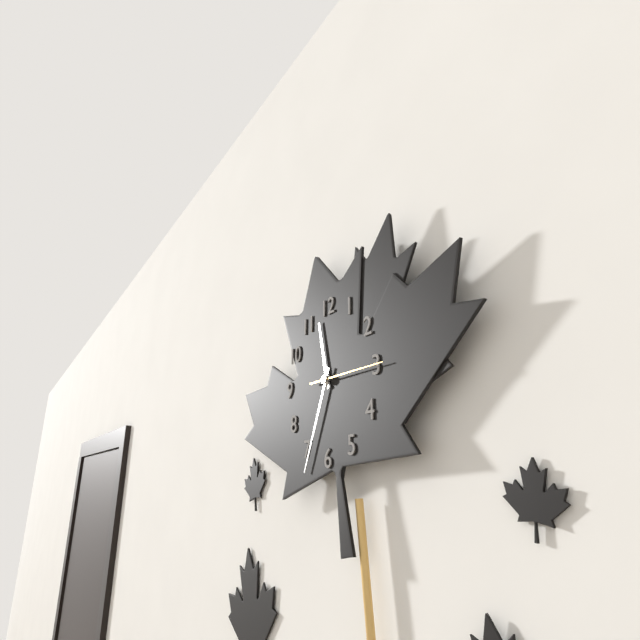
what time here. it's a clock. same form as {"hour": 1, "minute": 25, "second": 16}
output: {"hour": 11, "minute": 34, "second": 15}
